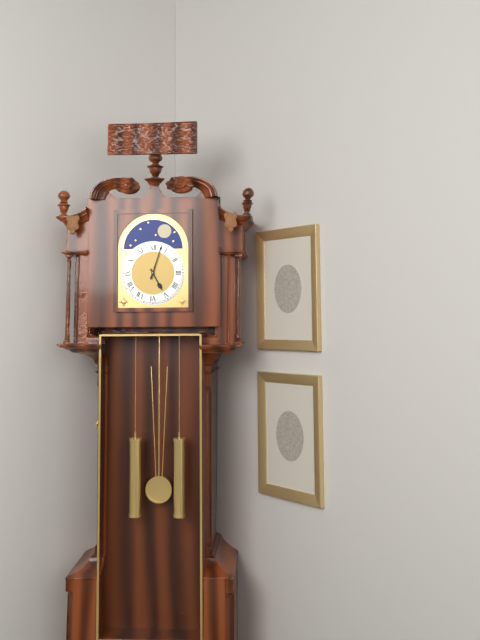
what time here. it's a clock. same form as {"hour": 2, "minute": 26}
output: {"hour": 5, "minute": 3}
